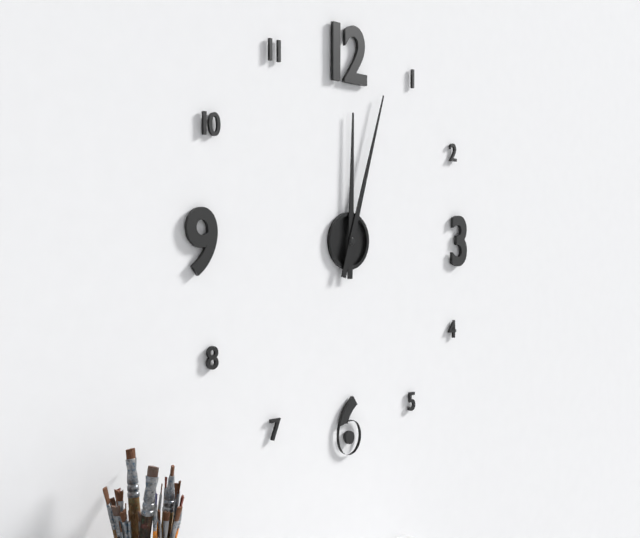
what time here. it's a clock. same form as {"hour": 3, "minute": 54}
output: {"hour": 12, "minute": 3}
